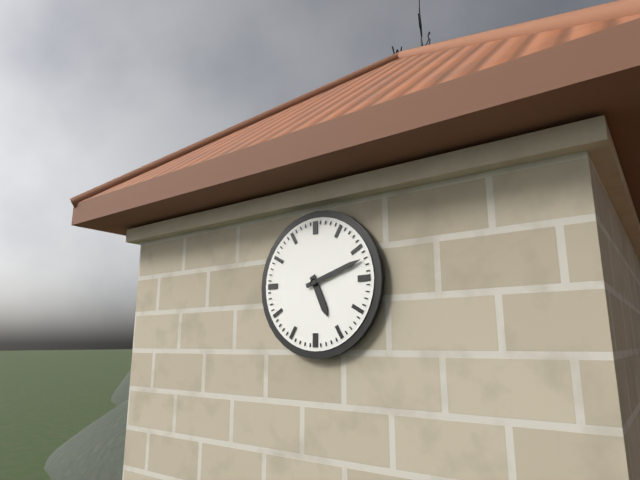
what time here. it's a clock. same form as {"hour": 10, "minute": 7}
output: {"hour": 5, "minute": 12}
